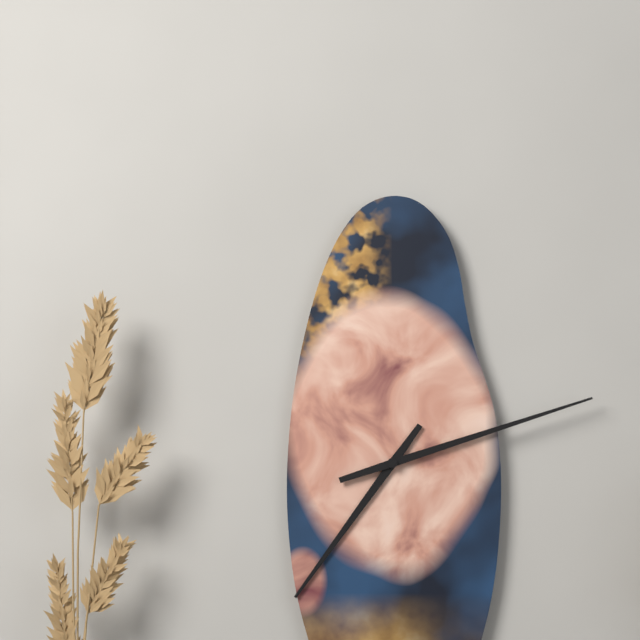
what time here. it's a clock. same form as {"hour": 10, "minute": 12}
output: {"hour": 7, "minute": 12}
